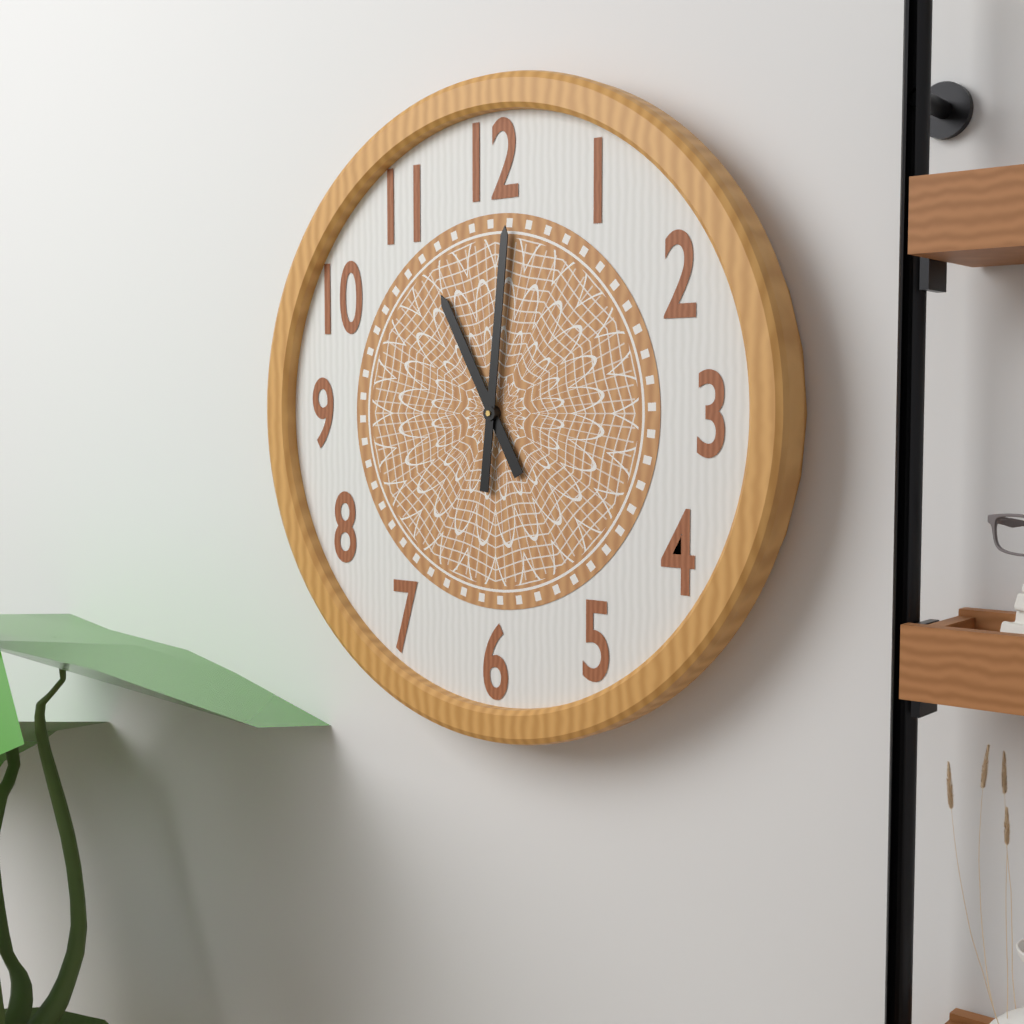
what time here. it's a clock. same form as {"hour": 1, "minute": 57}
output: {"hour": 11, "minute": 1}
